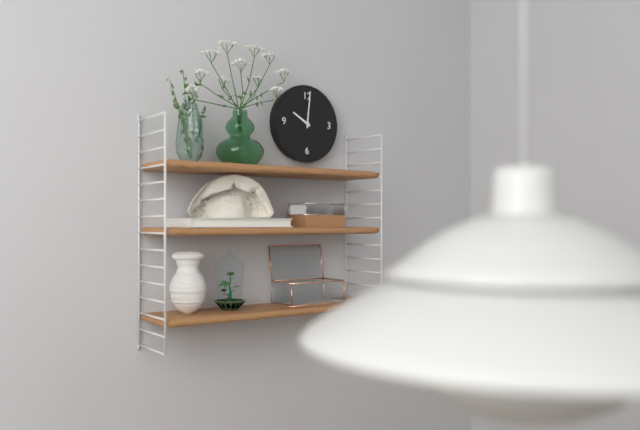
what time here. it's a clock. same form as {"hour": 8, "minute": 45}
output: {"hour": 10, "minute": 1}
